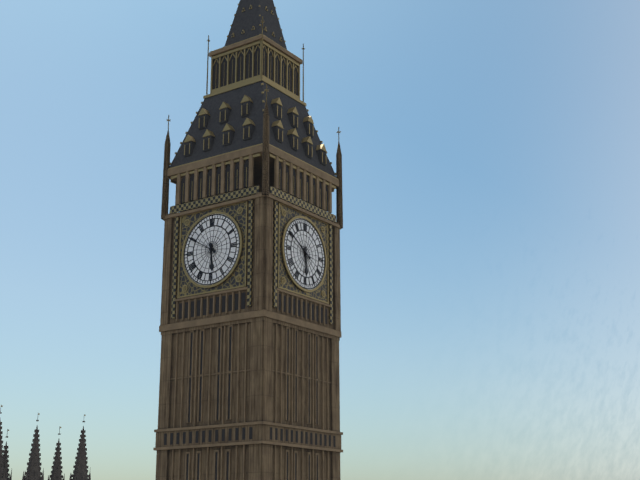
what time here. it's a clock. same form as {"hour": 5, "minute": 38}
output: {"hour": 5, "minute": 50}
